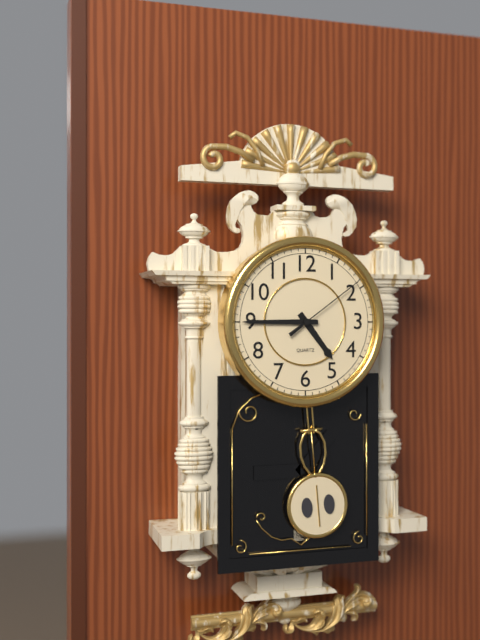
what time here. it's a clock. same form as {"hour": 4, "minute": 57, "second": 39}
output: {"hour": 4, "minute": 45, "second": 9}
